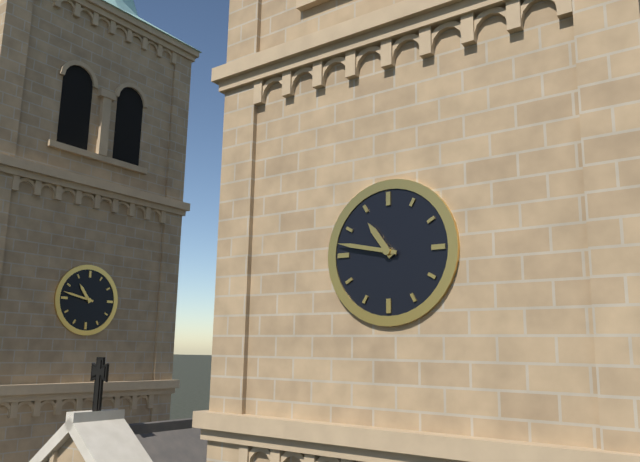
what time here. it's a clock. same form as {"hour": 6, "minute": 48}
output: {"hour": 10, "minute": 47}
